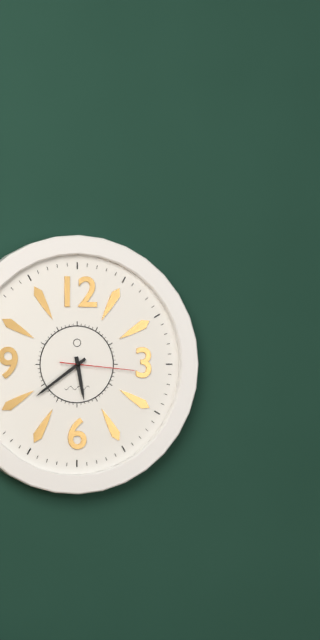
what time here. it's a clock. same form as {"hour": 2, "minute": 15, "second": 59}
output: {"hour": 5, "minute": 39, "second": 16}
